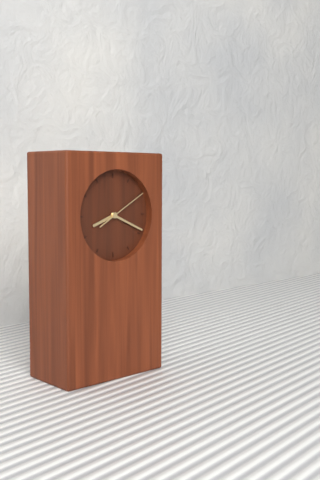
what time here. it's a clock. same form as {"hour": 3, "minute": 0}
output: {"hour": 8, "minute": 19}
